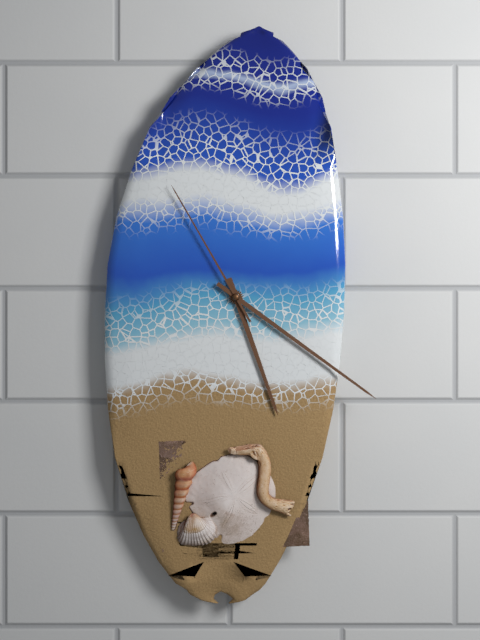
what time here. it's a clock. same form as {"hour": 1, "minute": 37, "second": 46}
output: {"hour": 5, "minute": 21, "second": 55}
